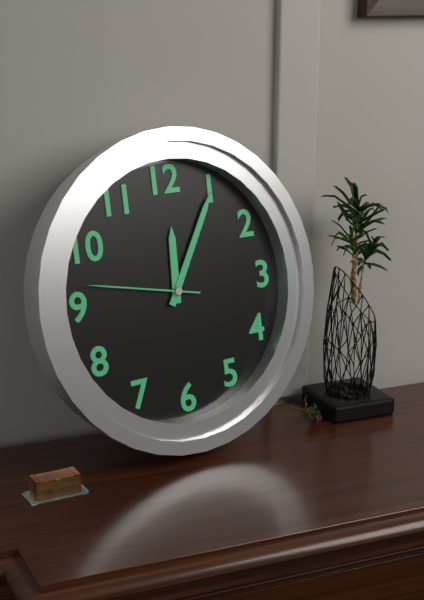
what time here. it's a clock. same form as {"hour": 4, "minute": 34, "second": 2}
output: {"hour": 12, "minute": 5, "second": 47}
